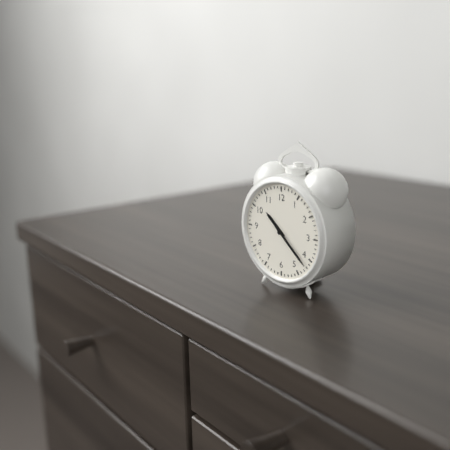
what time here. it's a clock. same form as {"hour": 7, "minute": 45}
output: {"hour": 10, "minute": 22}
